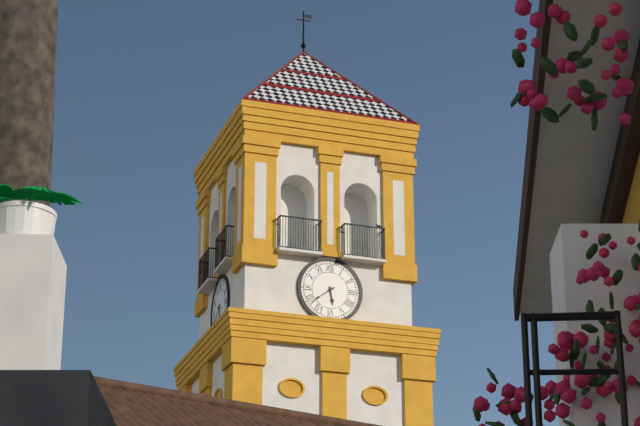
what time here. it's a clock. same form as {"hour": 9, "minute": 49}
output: {"hour": 5, "minute": 39}
